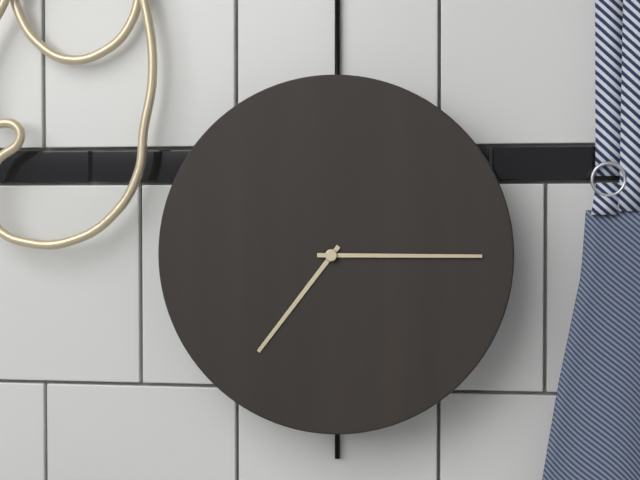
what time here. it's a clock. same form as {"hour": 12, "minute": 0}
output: {"hour": 7, "minute": 15}
